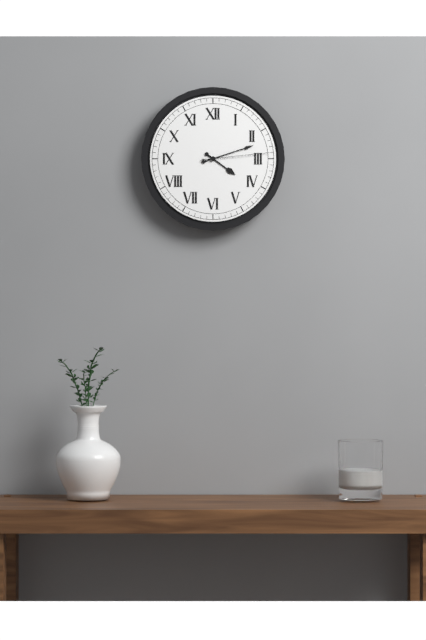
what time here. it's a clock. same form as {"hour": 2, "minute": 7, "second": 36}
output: {"hour": 4, "minute": 12, "second": 14}
